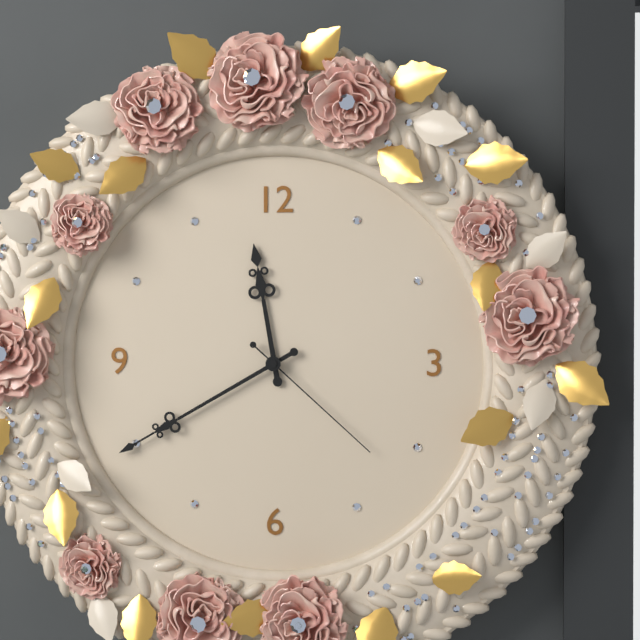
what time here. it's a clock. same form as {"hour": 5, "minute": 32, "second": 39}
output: {"hour": 11, "minute": 40, "second": 22}
